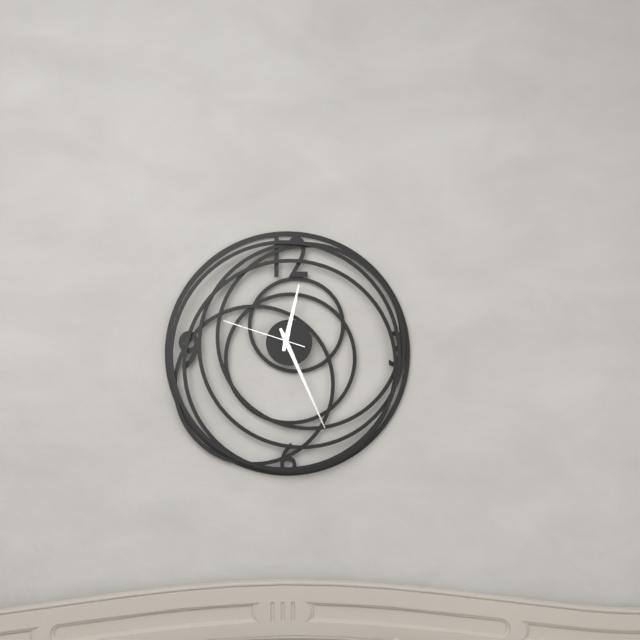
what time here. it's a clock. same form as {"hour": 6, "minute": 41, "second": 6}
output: {"hour": 12, "minute": 26, "second": 48}
